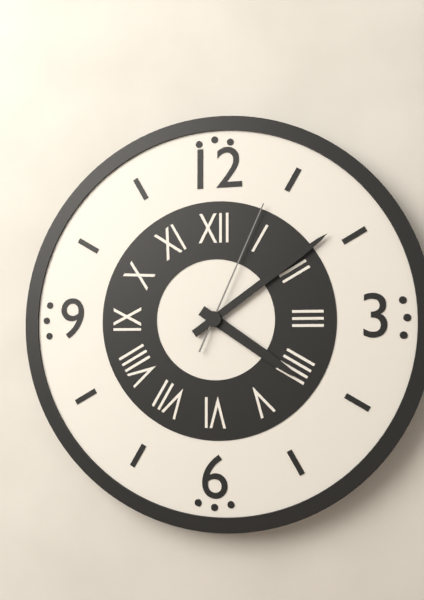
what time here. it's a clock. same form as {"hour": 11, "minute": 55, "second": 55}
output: {"hour": 4, "minute": 9, "second": 4}
